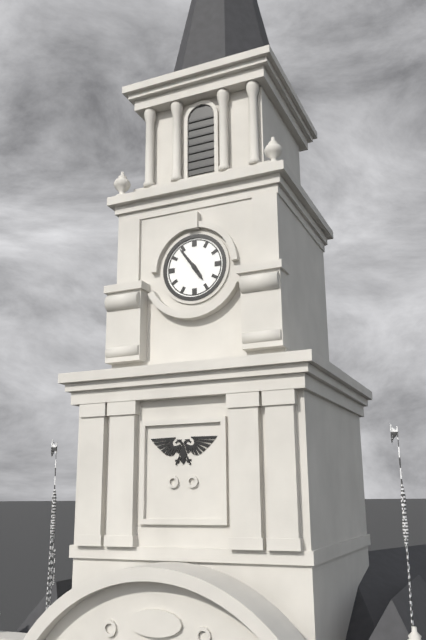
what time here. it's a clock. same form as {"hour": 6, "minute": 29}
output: {"hour": 4, "minute": 54}
